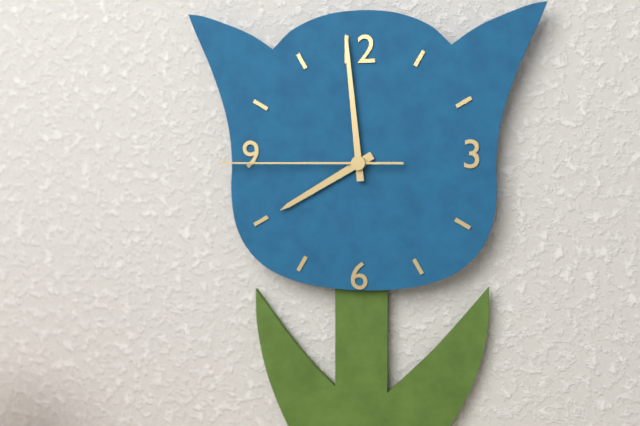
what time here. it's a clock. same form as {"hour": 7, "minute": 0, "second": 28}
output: {"hour": 7, "minute": 59, "second": 45}
